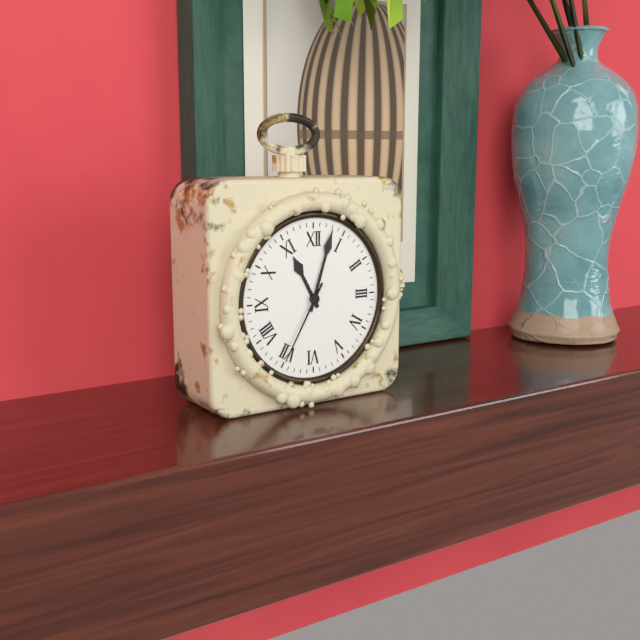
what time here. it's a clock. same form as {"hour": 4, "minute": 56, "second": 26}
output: {"hour": 11, "minute": 3, "second": 35}
